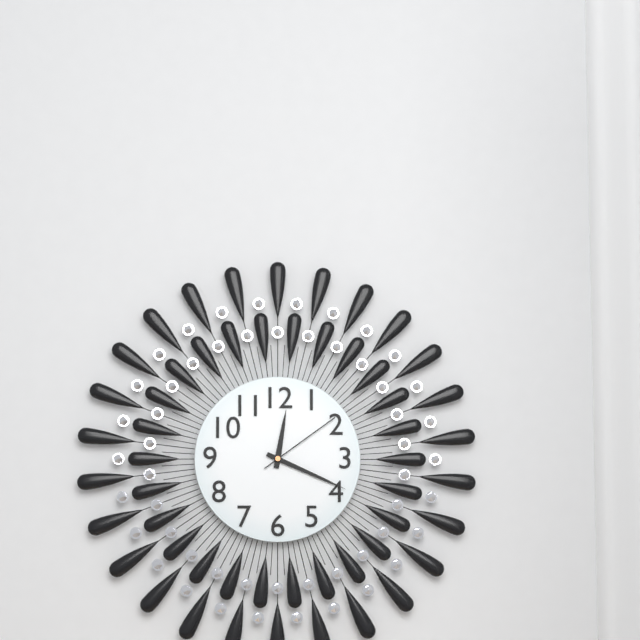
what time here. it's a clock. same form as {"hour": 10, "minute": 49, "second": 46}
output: {"hour": 12, "minute": 19, "second": 9}
